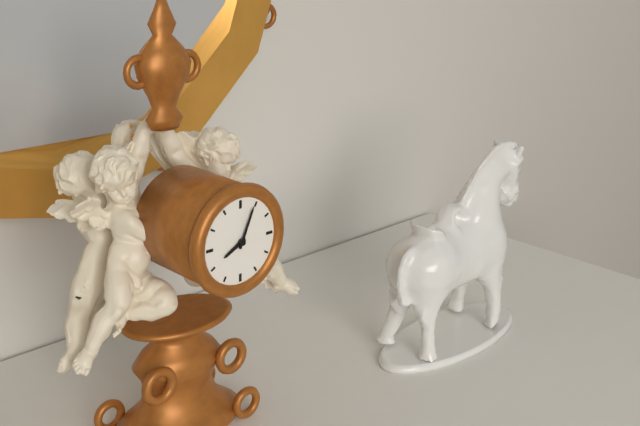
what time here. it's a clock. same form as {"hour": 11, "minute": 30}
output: {"hour": 8, "minute": 4}
